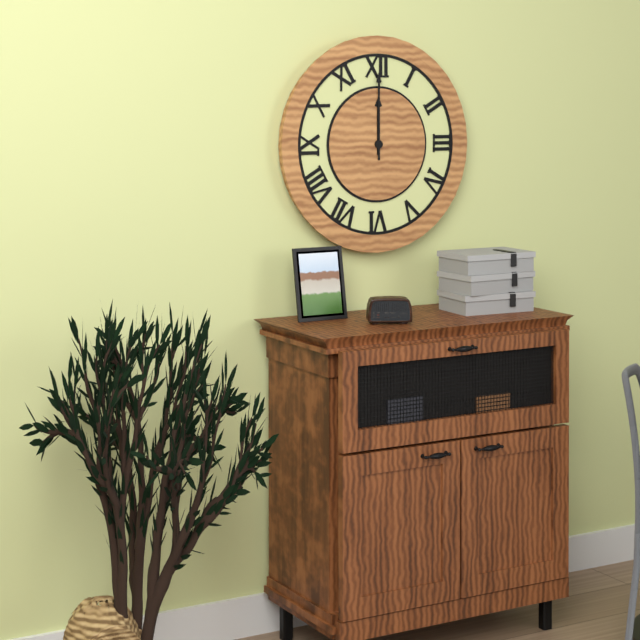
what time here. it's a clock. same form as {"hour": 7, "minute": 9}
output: {"hour": 12, "minute": 0}
